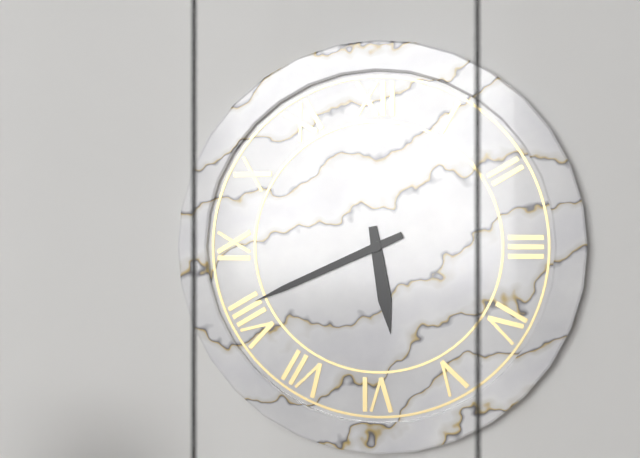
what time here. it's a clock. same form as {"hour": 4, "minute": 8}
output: {"hour": 5, "minute": 41}
